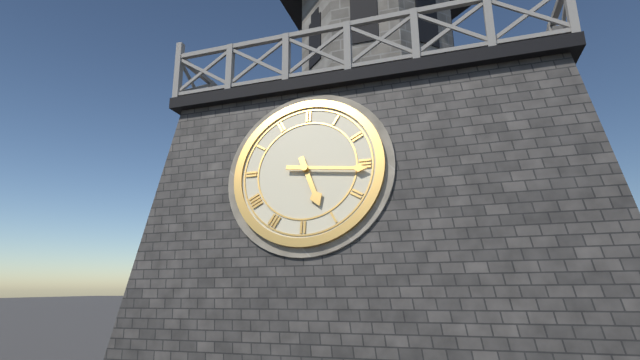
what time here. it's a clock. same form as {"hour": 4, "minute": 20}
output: {"hour": 5, "minute": 16}
